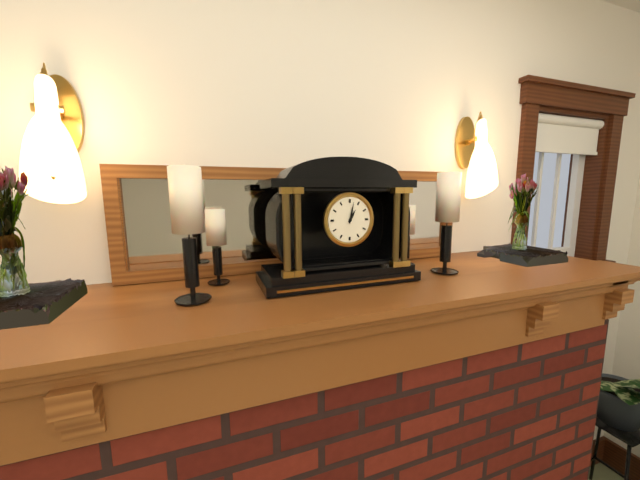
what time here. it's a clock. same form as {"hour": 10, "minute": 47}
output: {"hour": 1, "minute": 2}
